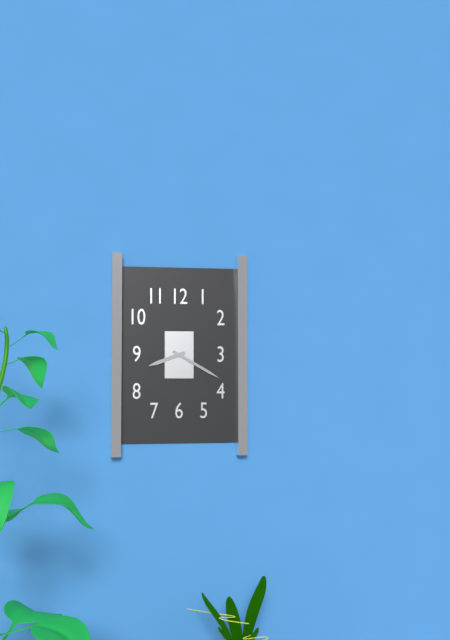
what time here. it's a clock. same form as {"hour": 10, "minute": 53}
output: {"hour": 8, "minute": 20}
